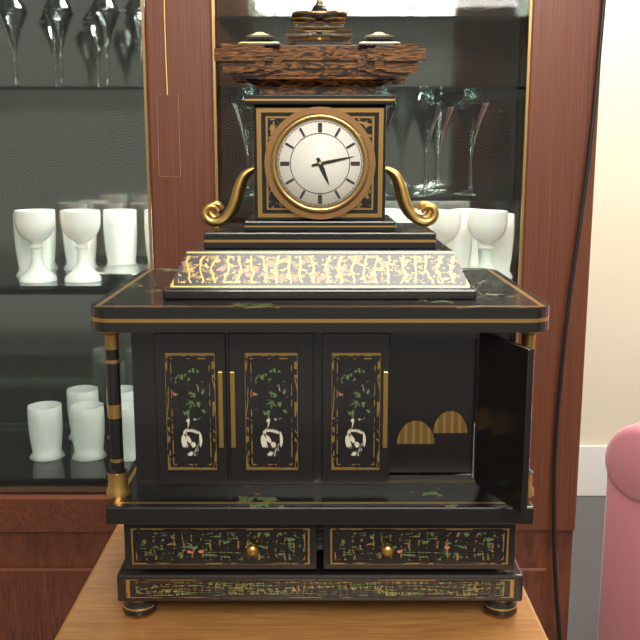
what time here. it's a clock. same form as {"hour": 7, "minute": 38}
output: {"hour": 5, "minute": 13}
